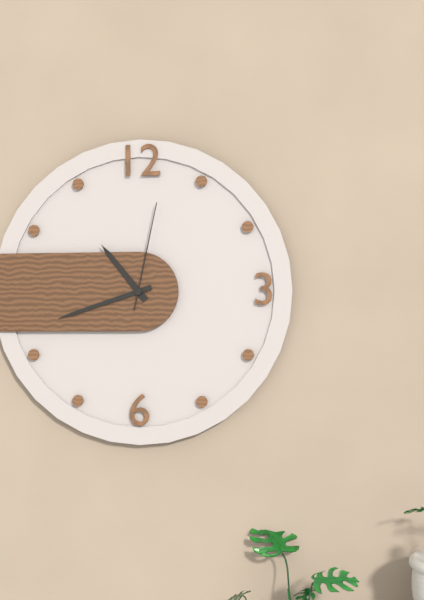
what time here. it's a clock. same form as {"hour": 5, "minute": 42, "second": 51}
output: {"hour": 10, "minute": 42, "second": 2}
